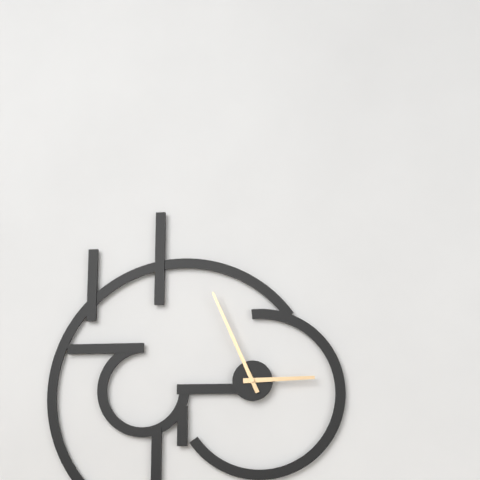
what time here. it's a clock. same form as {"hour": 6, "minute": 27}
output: {"hour": 2, "minute": 56}
